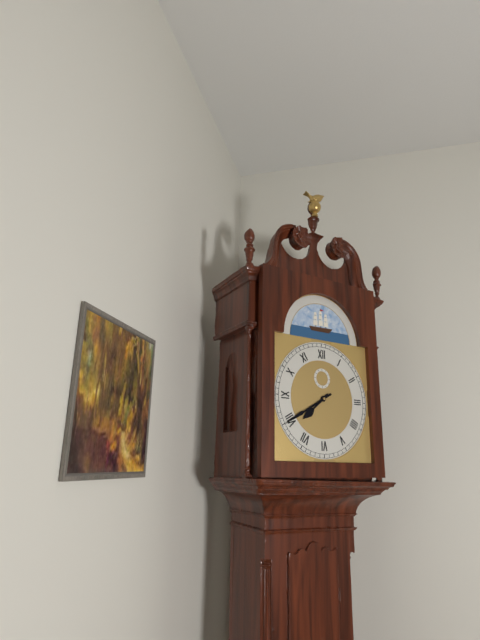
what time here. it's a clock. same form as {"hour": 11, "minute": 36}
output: {"hour": 7, "minute": 40}
